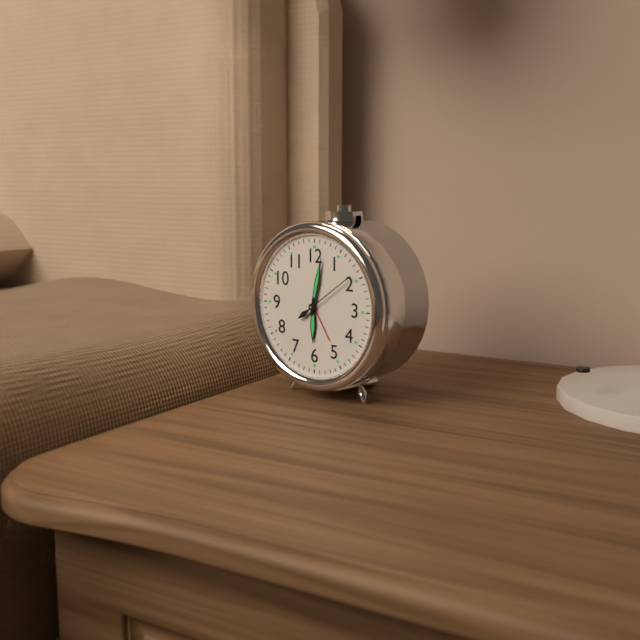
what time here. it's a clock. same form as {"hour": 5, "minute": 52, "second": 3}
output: {"hour": 6, "minute": 2, "second": 9}
